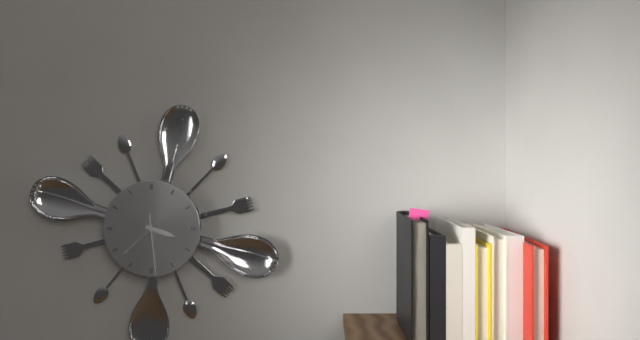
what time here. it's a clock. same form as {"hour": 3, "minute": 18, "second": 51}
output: {"hour": 3, "minute": 38, "second": 29}
